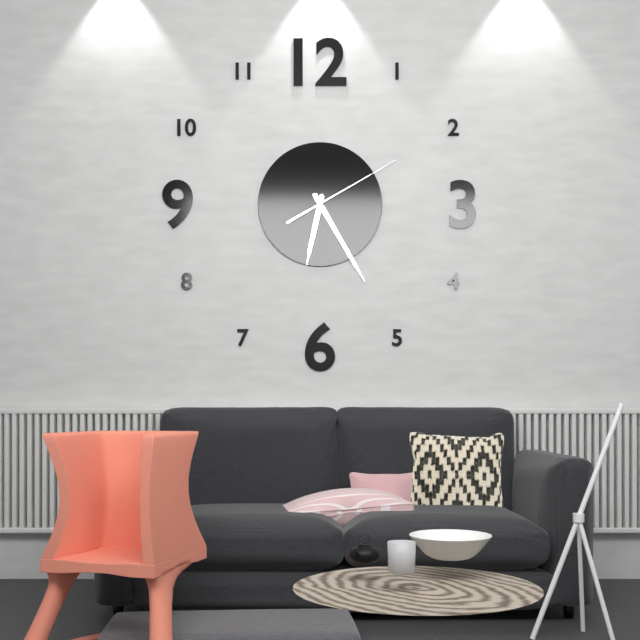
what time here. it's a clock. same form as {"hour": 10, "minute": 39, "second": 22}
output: {"hour": 6, "minute": 25, "second": 10}
